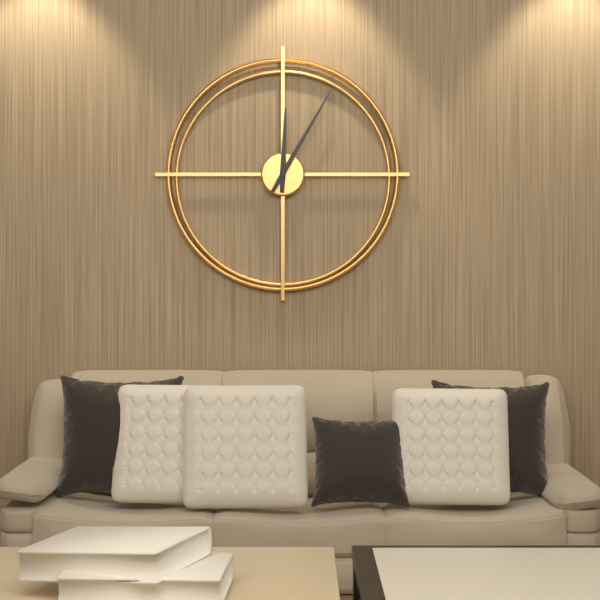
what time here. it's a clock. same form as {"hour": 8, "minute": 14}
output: {"hour": 12, "minute": 5}
